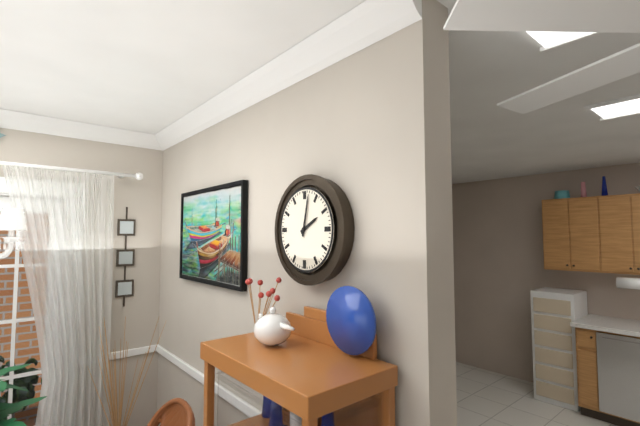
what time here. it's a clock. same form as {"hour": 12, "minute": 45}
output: {"hour": 2, "minute": 2}
